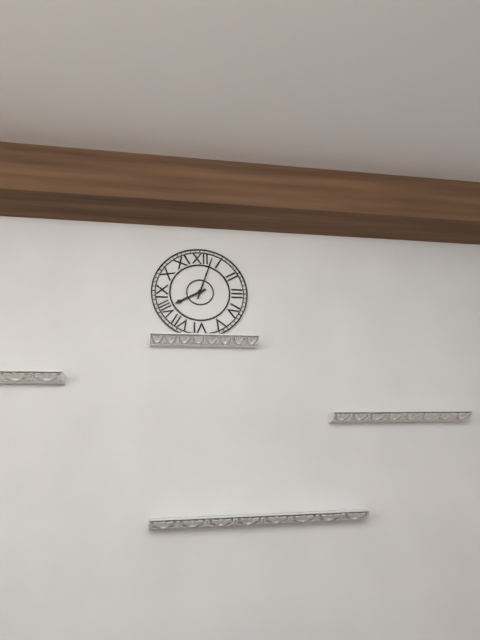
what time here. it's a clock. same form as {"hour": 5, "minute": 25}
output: {"hour": 8, "minute": 3}
